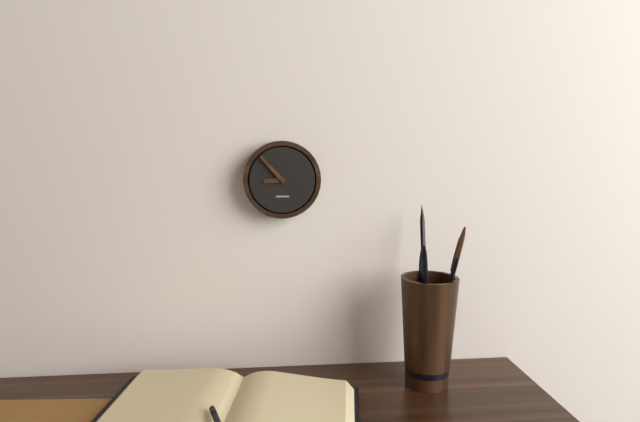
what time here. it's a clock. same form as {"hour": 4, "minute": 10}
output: {"hour": 8, "minute": 53}
